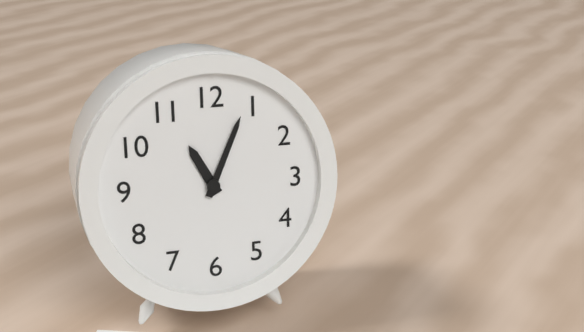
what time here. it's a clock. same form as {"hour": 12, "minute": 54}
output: {"hour": 11, "minute": 4}
